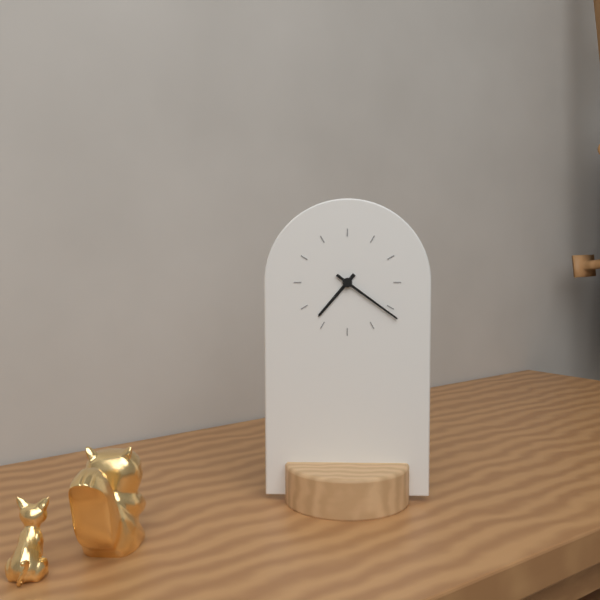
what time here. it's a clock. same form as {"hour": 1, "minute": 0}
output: {"hour": 7, "minute": 21}
